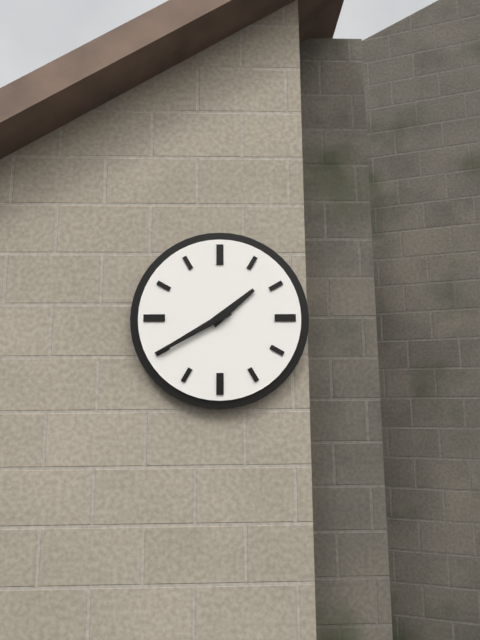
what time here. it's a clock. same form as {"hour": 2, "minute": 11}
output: {"hour": 1, "minute": 40}
